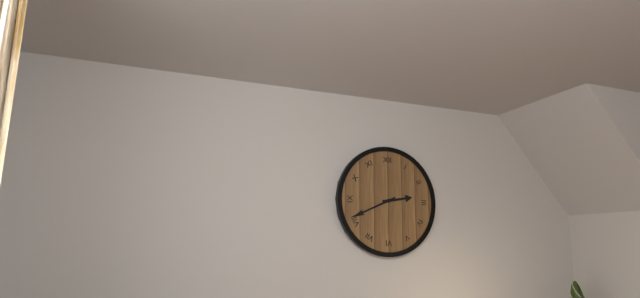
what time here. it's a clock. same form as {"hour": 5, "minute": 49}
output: {"hour": 2, "minute": 41}
